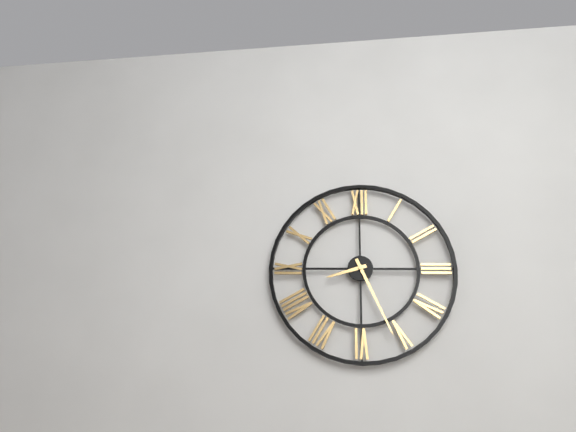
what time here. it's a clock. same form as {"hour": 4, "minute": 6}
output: {"hour": 8, "minute": 26}
